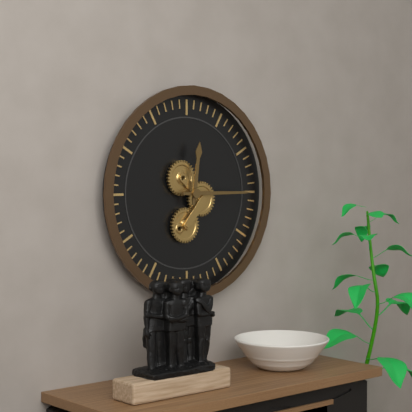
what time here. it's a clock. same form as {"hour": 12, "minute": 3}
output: {"hour": 12, "minute": 15}
